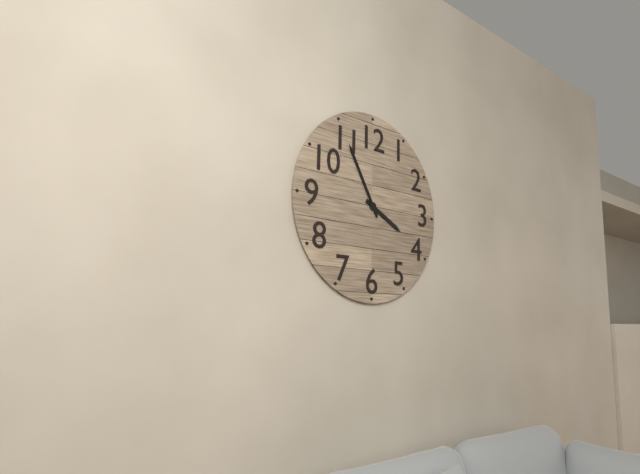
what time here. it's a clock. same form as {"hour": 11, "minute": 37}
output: {"hour": 3, "minute": 55}
